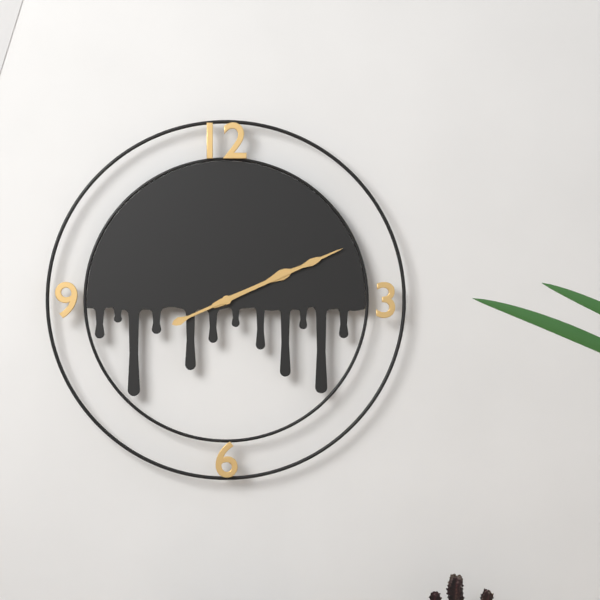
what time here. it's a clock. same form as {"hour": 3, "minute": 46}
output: {"hour": 2, "minute": 11}
